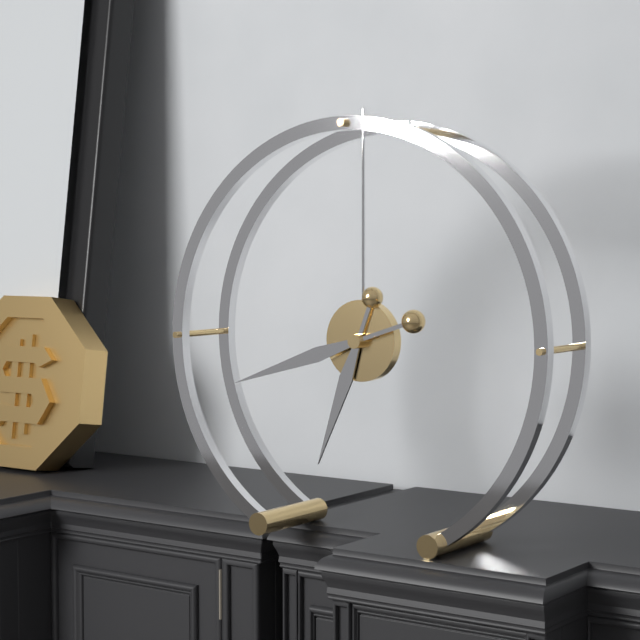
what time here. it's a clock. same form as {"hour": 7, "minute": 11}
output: {"hour": 6, "minute": 42}
